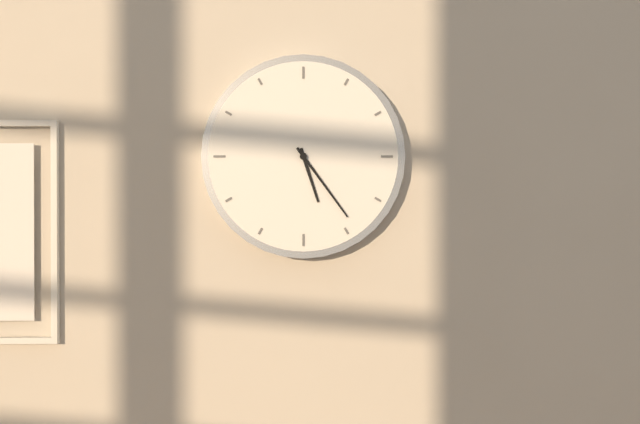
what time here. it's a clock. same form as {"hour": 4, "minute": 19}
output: {"hour": 5, "minute": 24}
